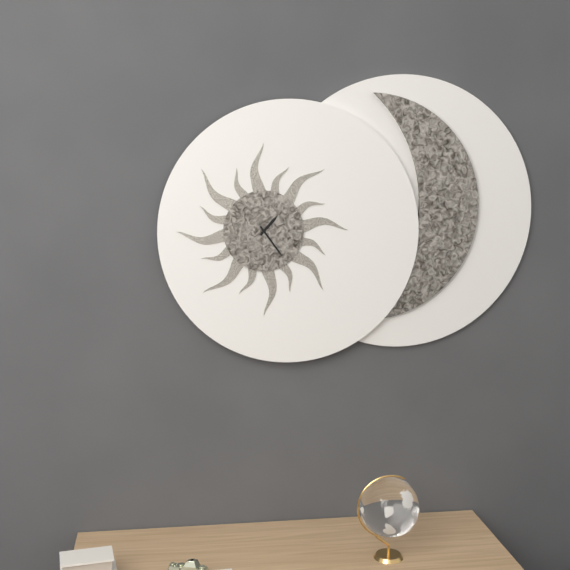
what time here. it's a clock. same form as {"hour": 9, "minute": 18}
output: {"hour": 1, "minute": 24}
